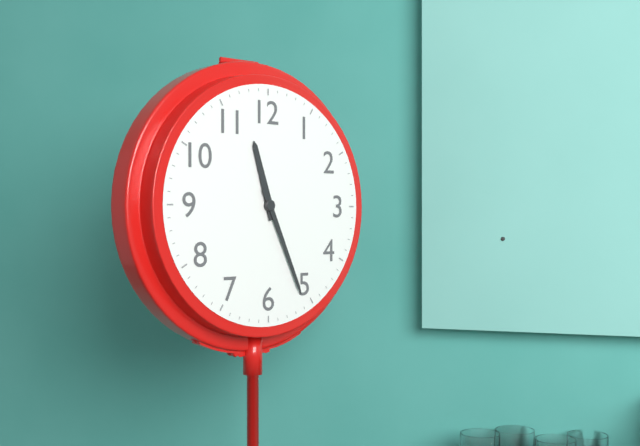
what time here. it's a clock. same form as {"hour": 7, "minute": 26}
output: {"hour": 11, "minute": 26}
